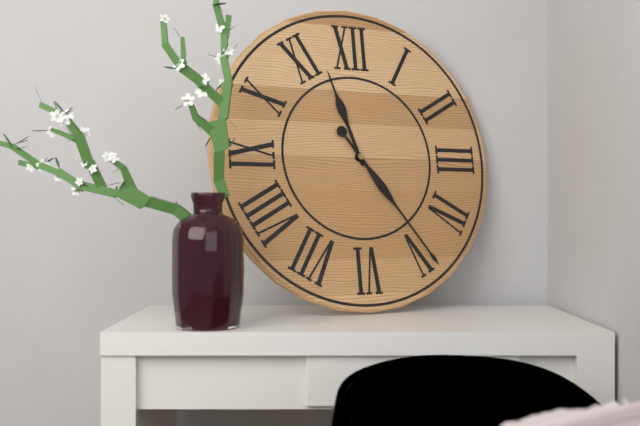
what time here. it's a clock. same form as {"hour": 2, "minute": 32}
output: {"hour": 11, "minute": 24}
